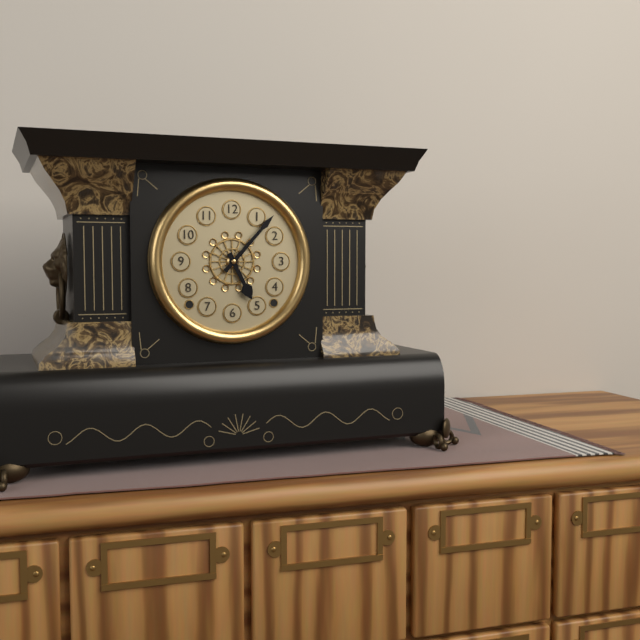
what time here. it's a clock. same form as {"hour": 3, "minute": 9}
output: {"hour": 5, "minute": 7}
